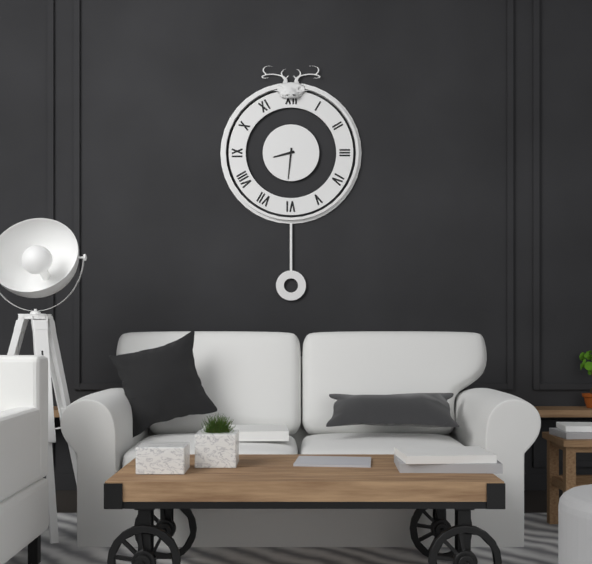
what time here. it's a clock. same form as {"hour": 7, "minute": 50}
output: {"hour": 8, "minute": 31}
